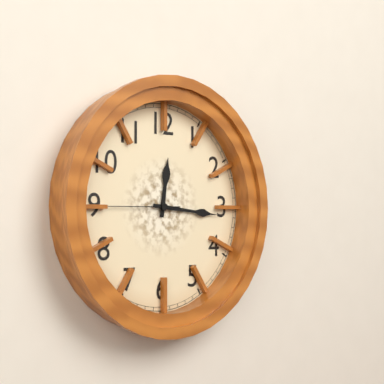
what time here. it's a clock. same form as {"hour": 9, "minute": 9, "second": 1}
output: {"hour": 12, "minute": 16, "second": 45}
